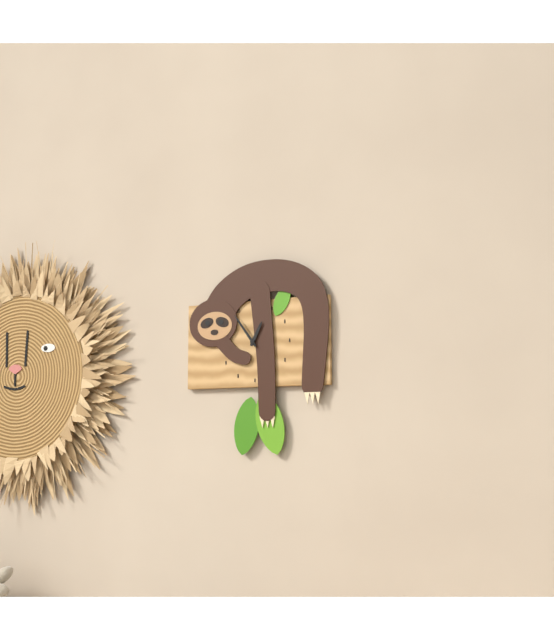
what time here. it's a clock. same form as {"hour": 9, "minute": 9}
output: {"hour": 12, "minute": 54}
